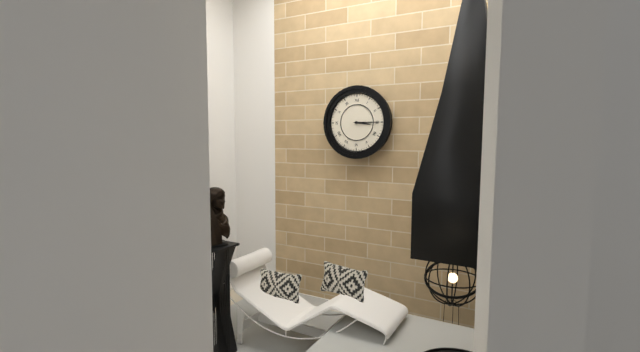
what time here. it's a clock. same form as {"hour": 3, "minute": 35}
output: {"hour": 3, "minute": 15}
